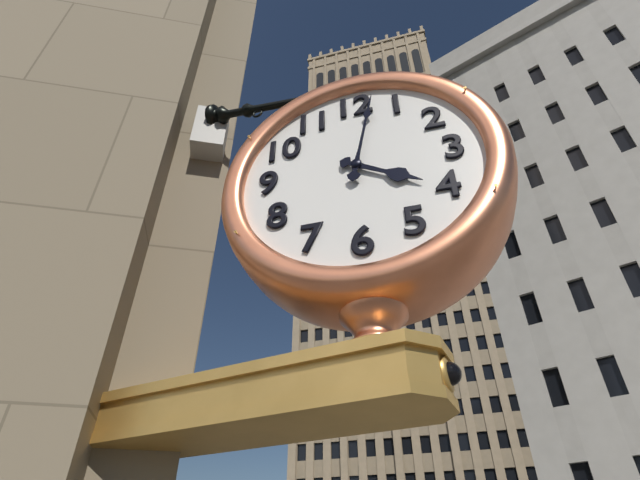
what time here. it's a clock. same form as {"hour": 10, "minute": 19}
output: {"hour": 4, "minute": 2}
